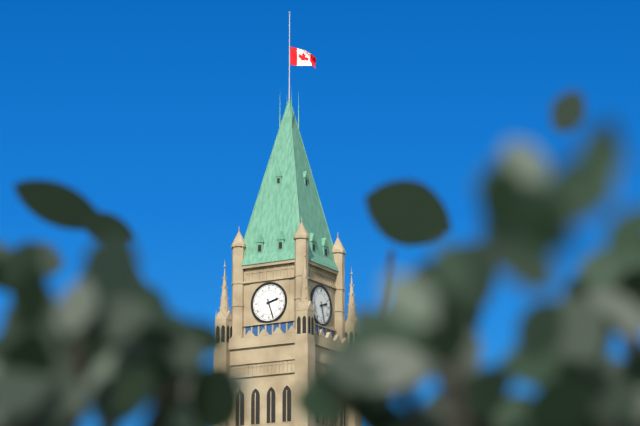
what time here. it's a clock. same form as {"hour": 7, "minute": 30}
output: {"hour": 2, "minute": 27}
